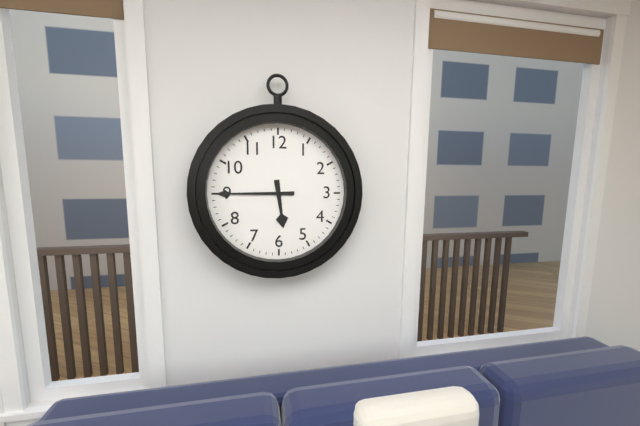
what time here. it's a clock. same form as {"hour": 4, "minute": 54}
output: {"hour": 5, "minute": 45}
